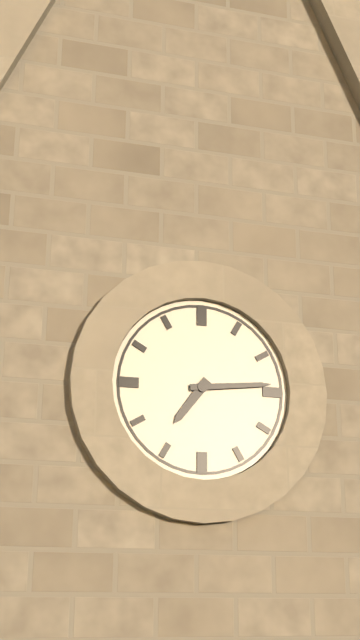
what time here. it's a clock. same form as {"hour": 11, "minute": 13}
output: {"hour": 7, "minute": 14}
